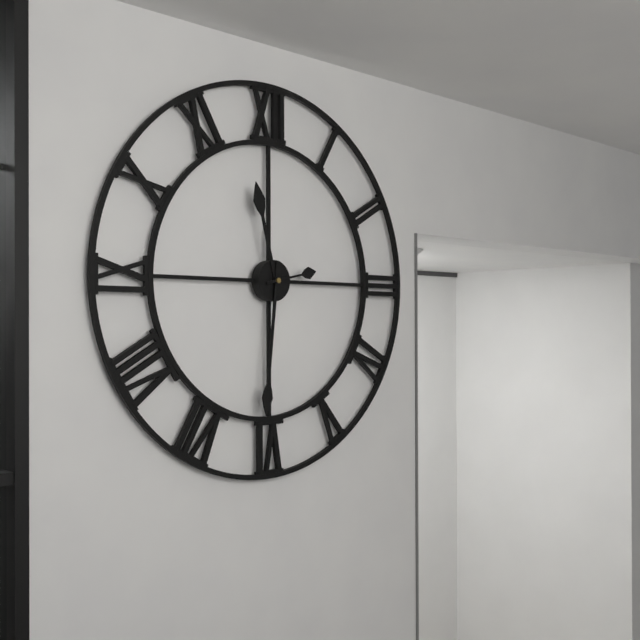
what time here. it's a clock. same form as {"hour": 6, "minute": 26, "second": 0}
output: {"hour": 11, "minute": 31, "second": 13}
